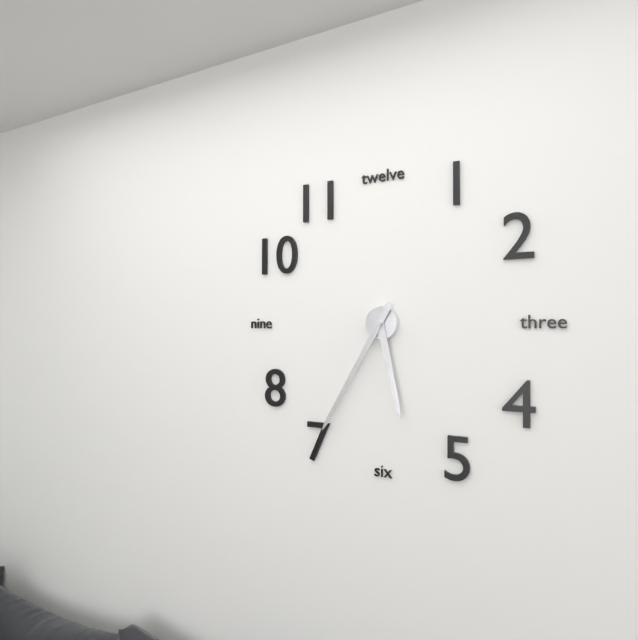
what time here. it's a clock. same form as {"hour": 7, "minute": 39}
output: {"hour": 5, "minute": 35}
